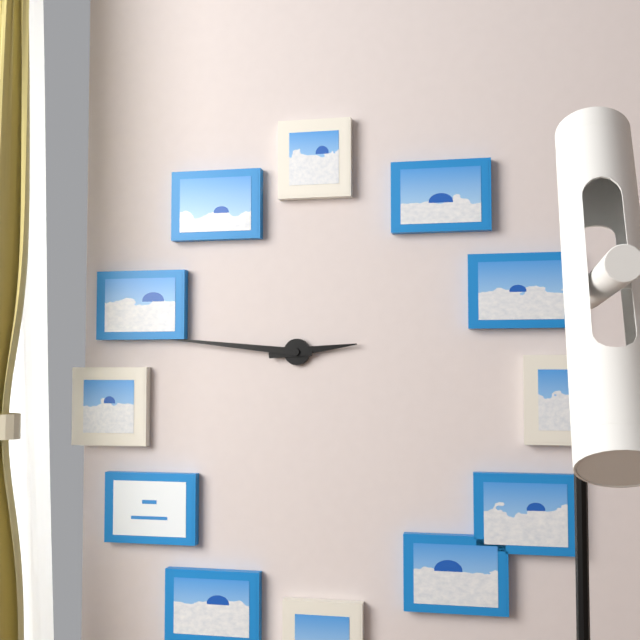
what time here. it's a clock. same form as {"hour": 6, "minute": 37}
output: {"hour": 2, "minute": 46}
